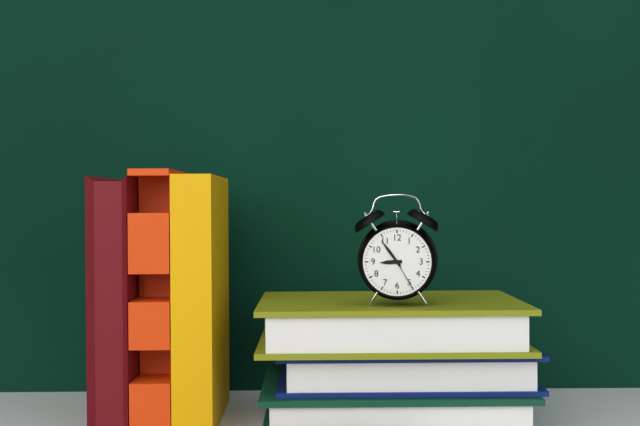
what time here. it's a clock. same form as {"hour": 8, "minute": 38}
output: {"hour": 8, "minute": 54}
